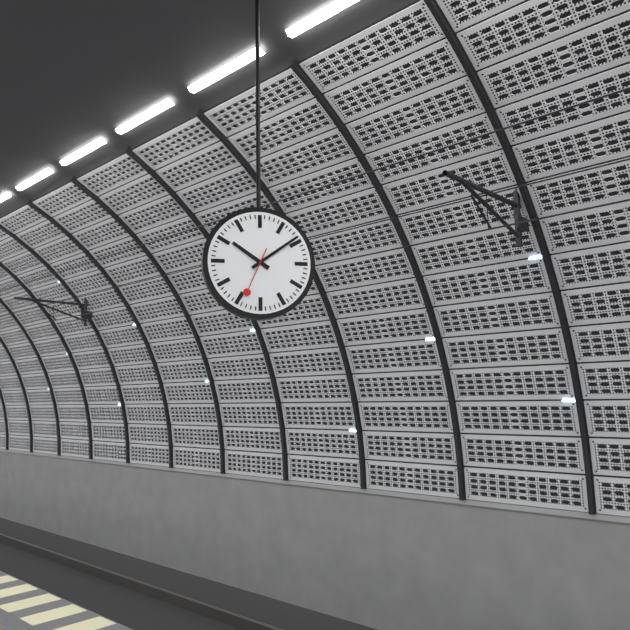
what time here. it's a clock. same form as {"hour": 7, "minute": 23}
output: {"hour": 10, "minute": 9}
